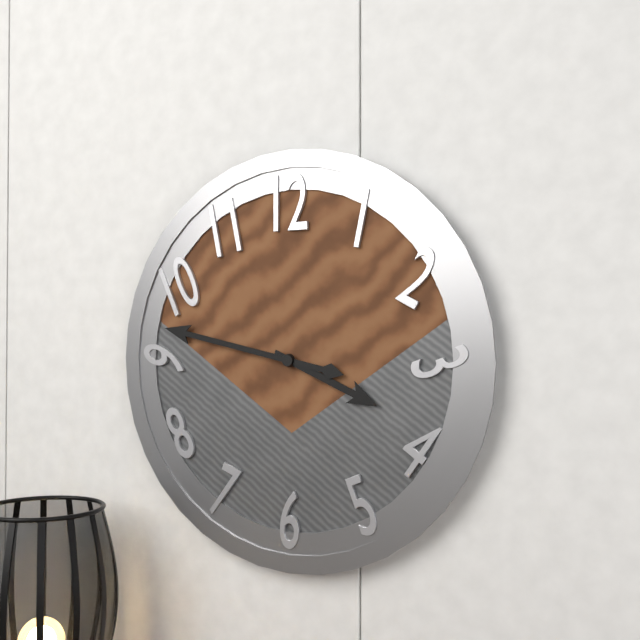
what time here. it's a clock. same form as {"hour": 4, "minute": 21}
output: {"hour": 3, "minute": 47}
